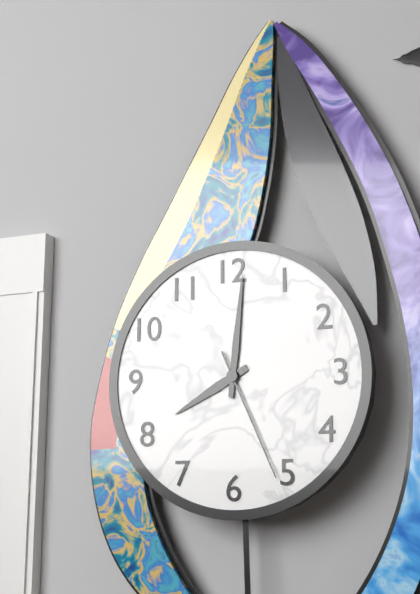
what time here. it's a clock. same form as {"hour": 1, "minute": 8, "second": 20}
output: {"hour": 8, "minute": 1, "second": 26}
